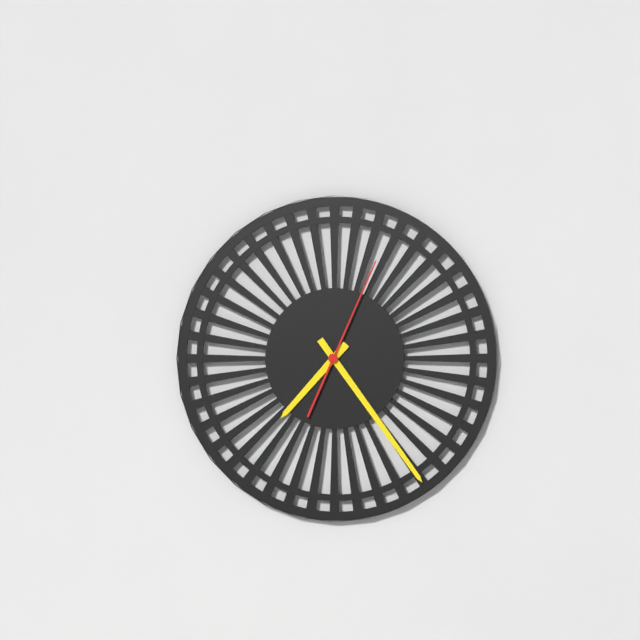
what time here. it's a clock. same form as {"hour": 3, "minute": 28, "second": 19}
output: {"hour": 7, "minute": 24, "second": 4}
